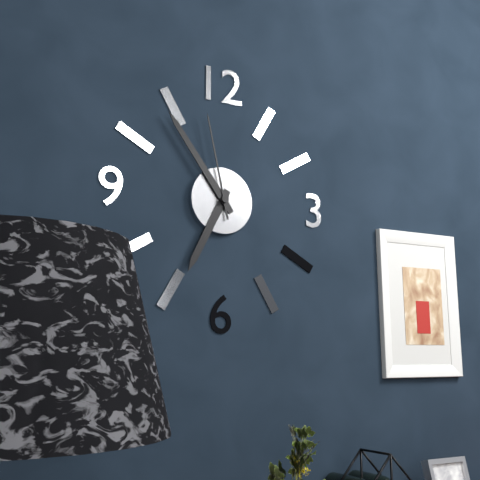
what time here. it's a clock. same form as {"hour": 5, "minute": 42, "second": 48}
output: {"hour": 6, "minute": 54, "second": 58}
